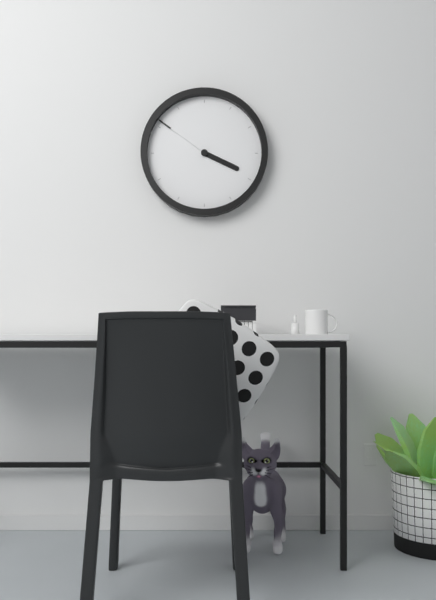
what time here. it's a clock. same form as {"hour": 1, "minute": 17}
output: {"hour": 3, "minute": 51}
